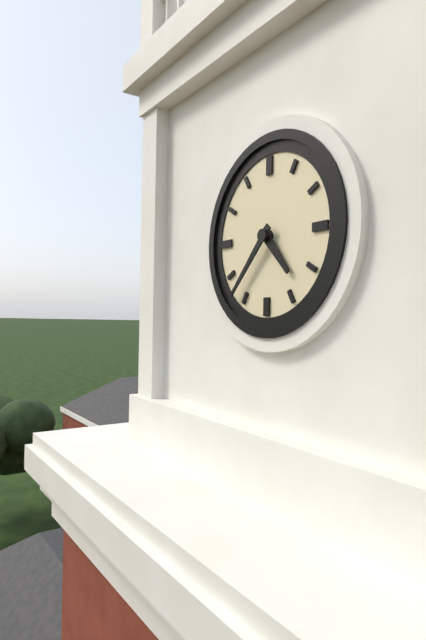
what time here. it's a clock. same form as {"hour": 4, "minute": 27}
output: {"hour": 4, "minute": 37}
